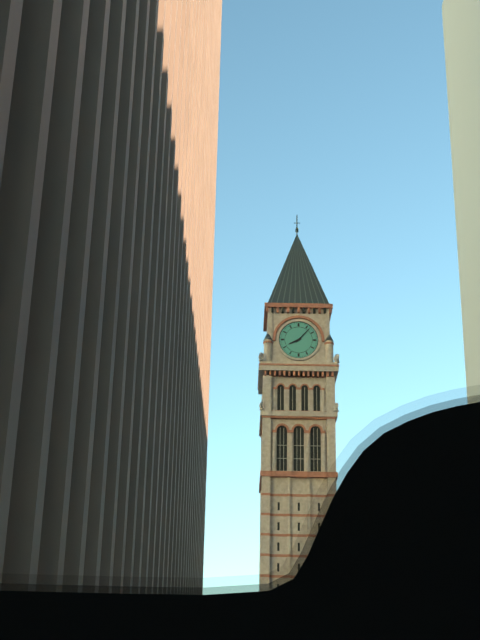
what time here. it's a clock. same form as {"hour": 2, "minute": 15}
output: {"hour": 8, "minute": 7}
